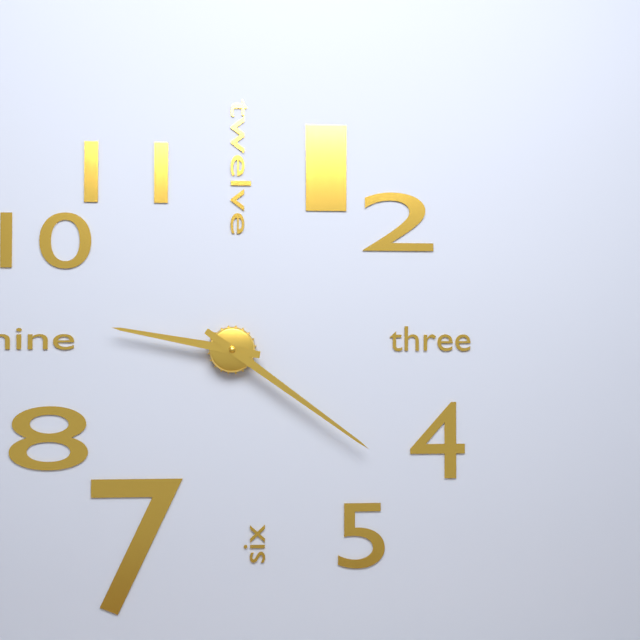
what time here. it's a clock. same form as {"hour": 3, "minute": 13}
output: {"hour": 9, "minute": 21}
